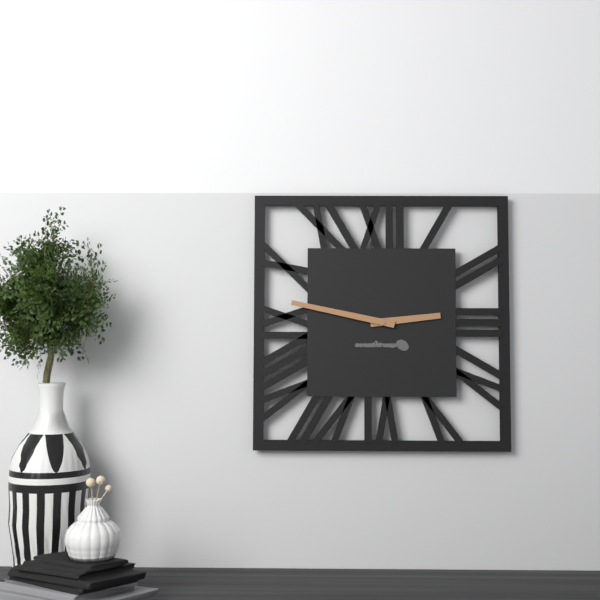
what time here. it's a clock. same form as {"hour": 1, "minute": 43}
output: {"hour": 2, "minute": 47}
